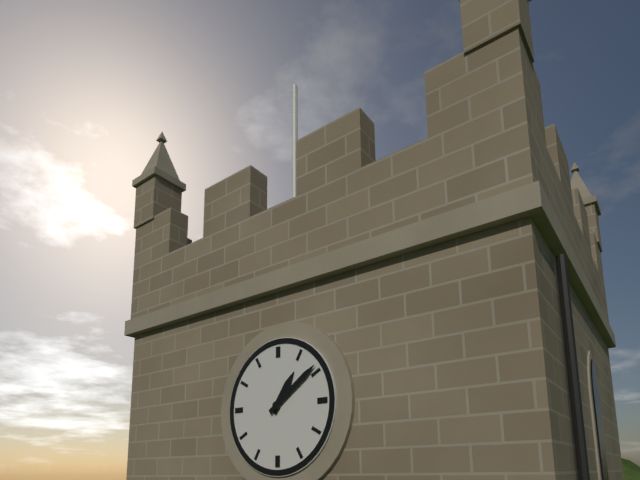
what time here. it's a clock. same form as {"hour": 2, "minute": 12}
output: {"hour": 1, "minute": 9}
